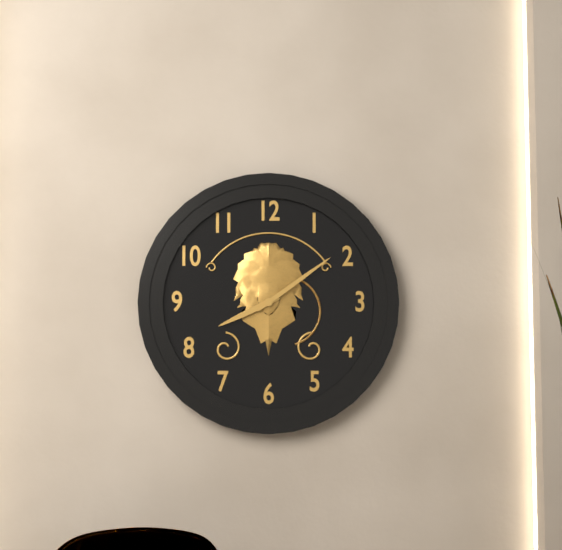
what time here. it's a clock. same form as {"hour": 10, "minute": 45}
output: {"hour": 8, "minute": 9}
